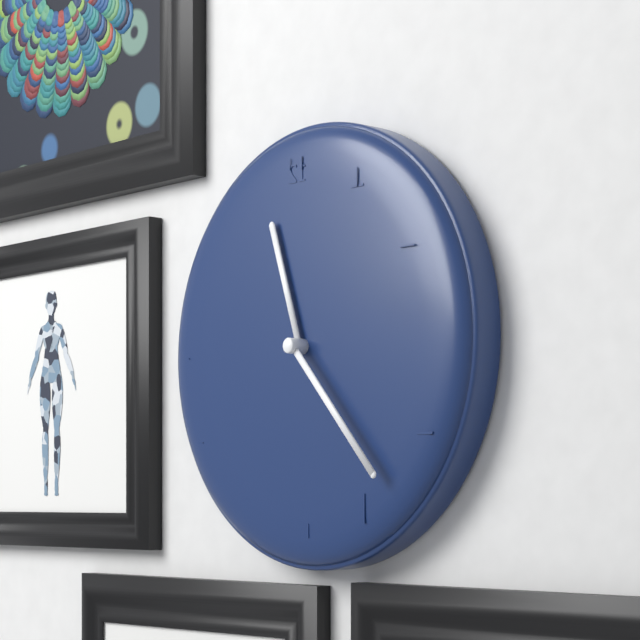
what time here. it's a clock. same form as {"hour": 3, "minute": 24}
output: {"hour": 11, "minute": 23}
